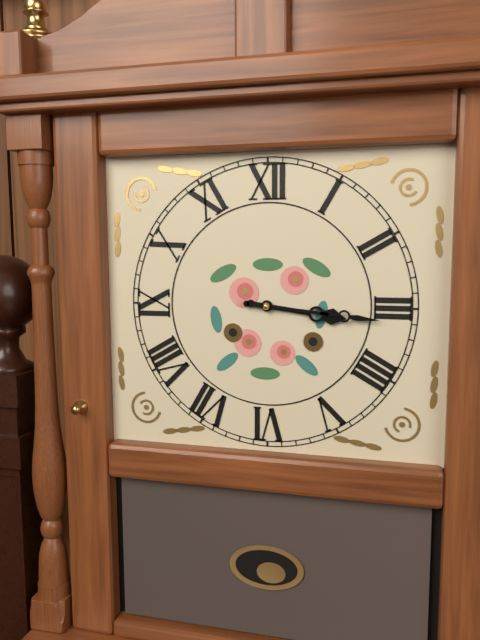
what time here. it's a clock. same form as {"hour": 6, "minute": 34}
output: {"hour": 3, "minute": 16}
